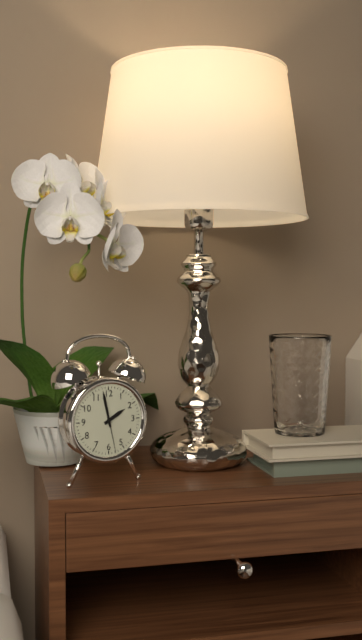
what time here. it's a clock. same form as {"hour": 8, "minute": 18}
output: {"hour": 1, "minute": 58}
